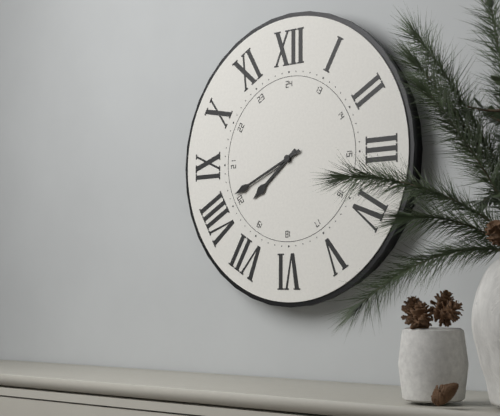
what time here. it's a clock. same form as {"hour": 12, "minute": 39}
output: {"hour": 7, "minute": 41}
